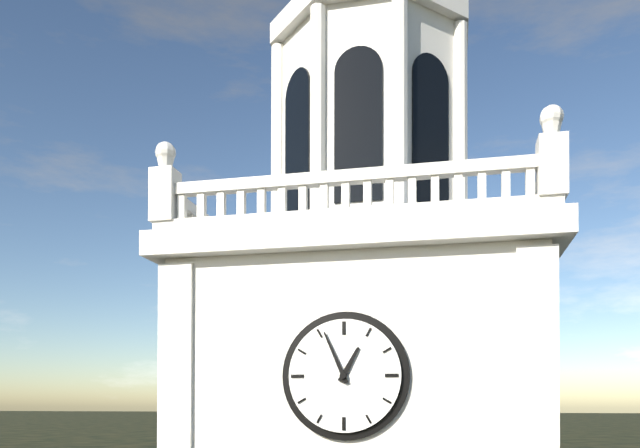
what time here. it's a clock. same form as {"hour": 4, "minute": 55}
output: {"hour": 12, "minute": 56}
